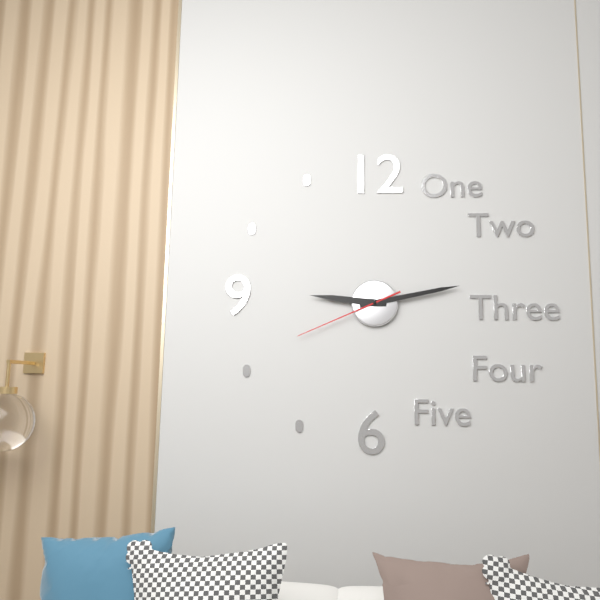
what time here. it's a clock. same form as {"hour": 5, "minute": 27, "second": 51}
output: {"hour": 9, "minute": 13, "second": 41}
